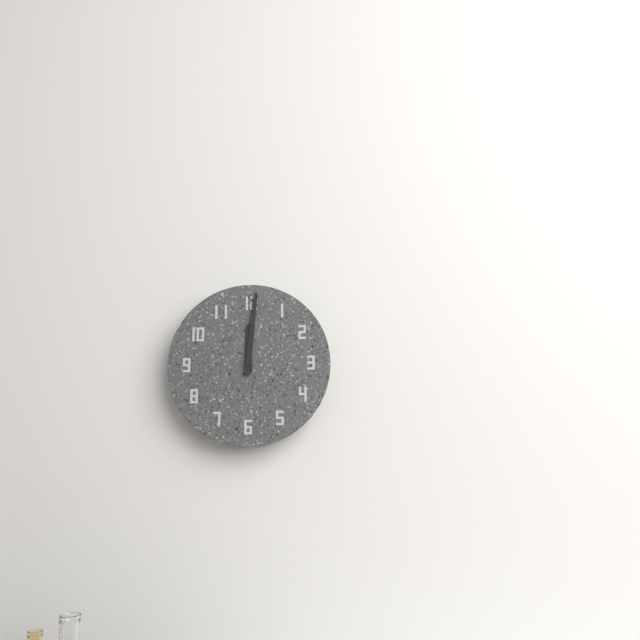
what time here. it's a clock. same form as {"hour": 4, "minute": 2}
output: {"hour": 12, "minute": 1}
